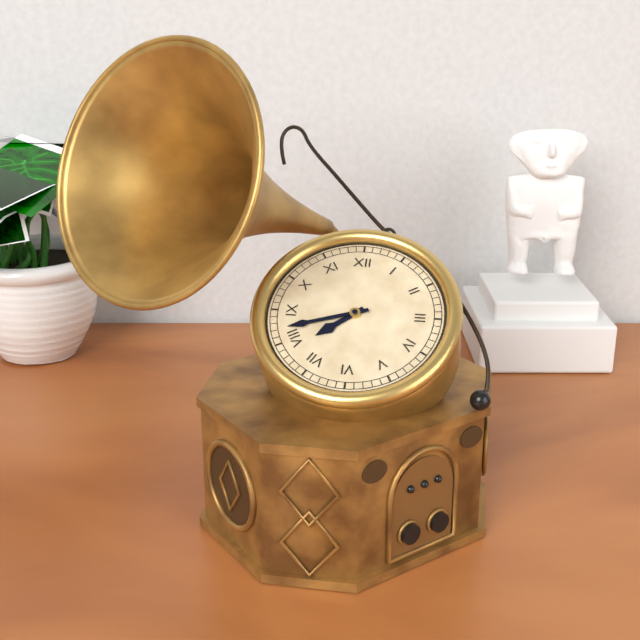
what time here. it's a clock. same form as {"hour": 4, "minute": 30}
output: {"hour": 7, "minute": 42}
